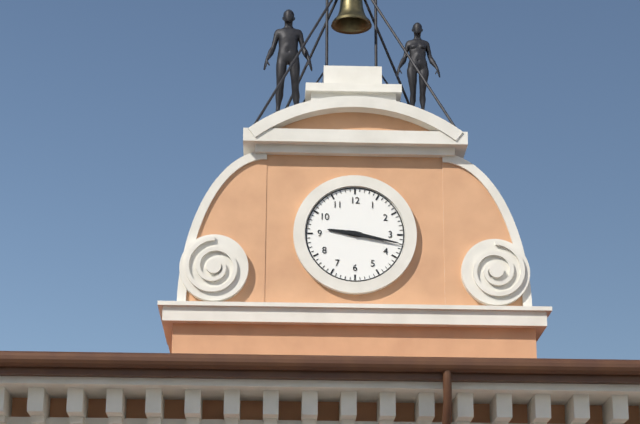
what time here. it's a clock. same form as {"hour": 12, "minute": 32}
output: {"hour": 9, "minute": 17}
